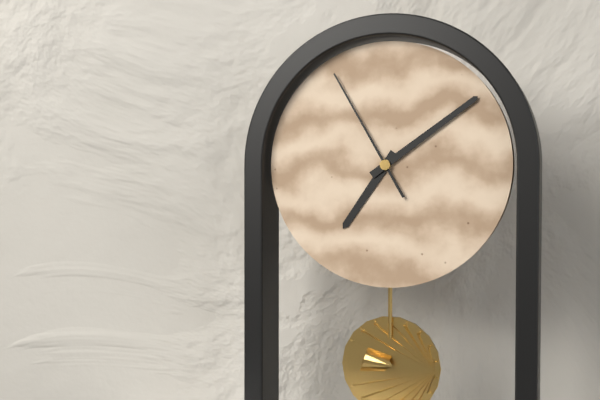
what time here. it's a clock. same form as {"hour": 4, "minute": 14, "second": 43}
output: {"hour": 7, "minute": 9, "second": 55}
